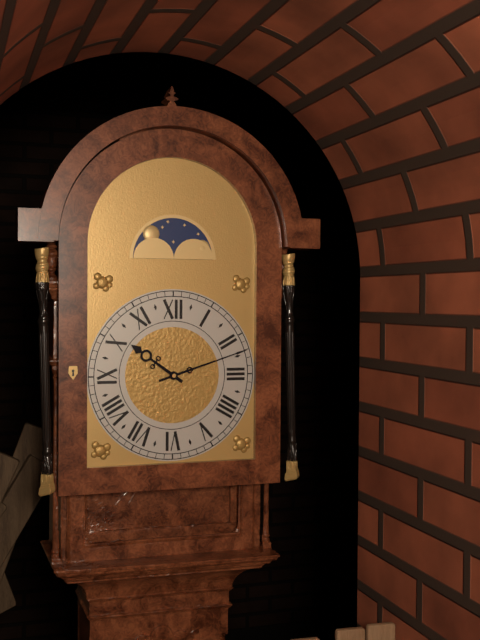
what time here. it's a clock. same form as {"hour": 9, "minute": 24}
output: {"hour": 10, "minute": 12}
